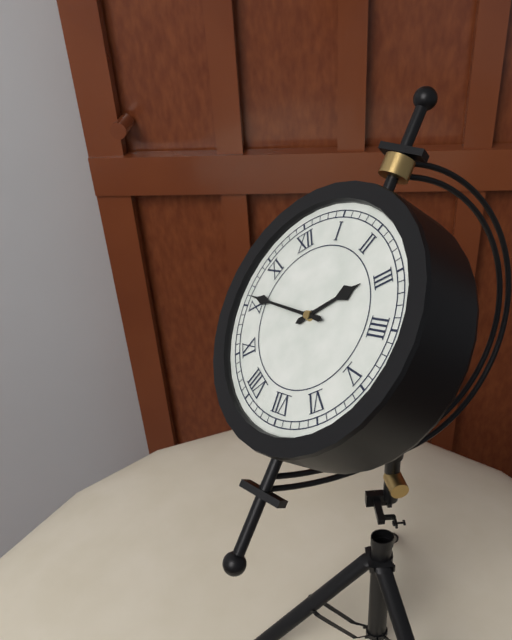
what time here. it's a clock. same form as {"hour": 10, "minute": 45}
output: {"hour": 2, "minute": 51}
